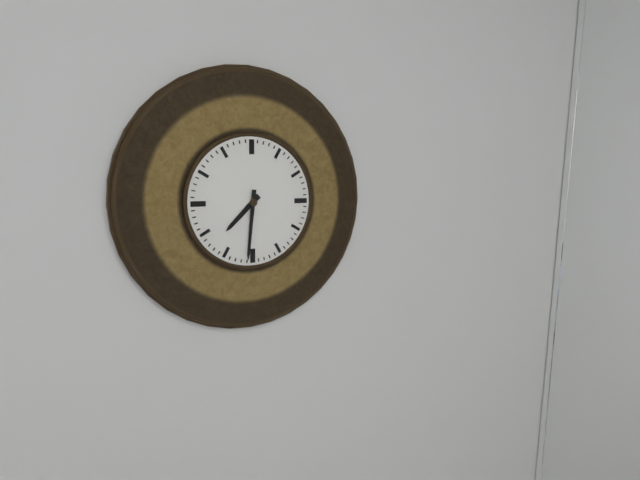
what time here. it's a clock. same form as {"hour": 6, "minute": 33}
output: {"hour": 7, "minute": 31}
